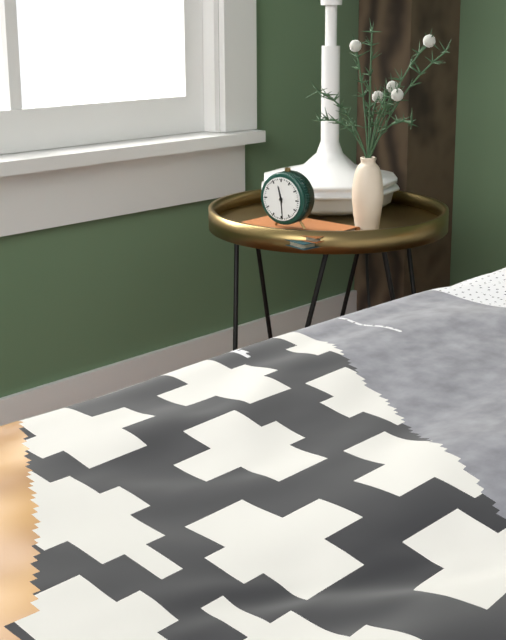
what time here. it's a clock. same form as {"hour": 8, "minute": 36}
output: {"hour": 11, "minute": 29}
